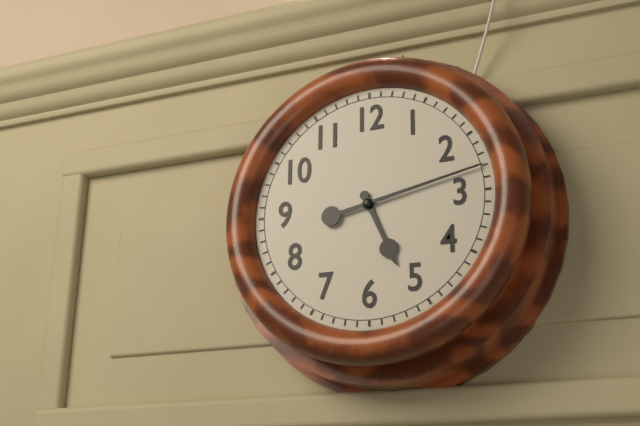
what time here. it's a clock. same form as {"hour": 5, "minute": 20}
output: {"hour": 5, "minute": 13}
